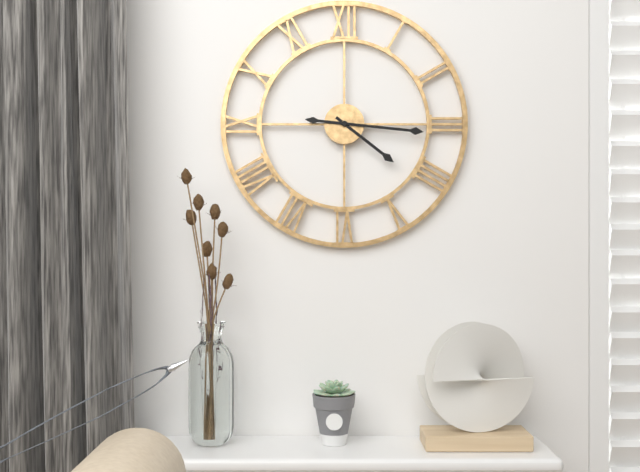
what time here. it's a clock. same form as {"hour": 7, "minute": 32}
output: {"hour": 4, "minute": 16}
